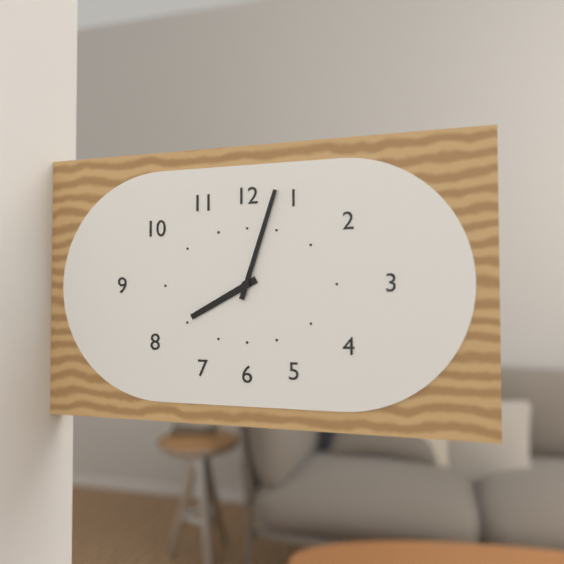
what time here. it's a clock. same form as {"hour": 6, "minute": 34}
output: {"hour": 8, "minute": 3}
